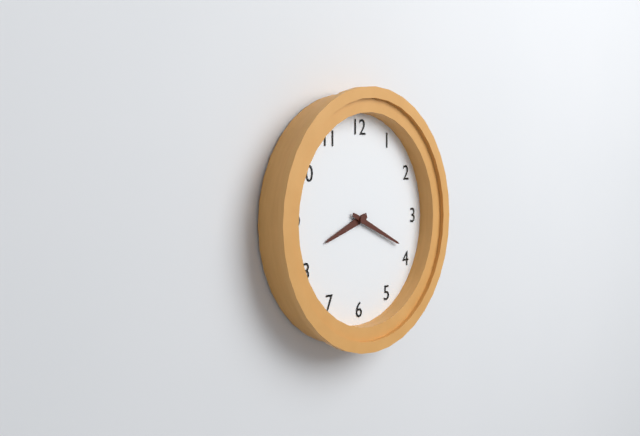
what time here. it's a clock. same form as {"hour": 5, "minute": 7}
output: {"hour": 8, "minute": 19}
